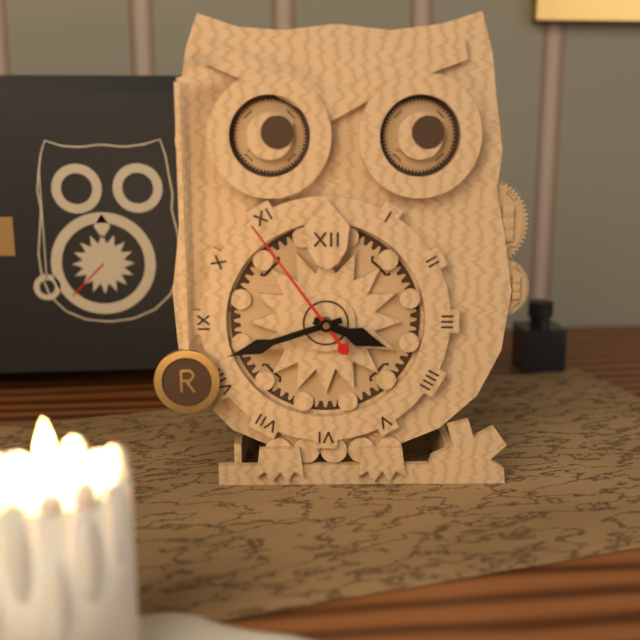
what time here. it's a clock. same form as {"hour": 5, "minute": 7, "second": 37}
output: {"hour": 3, "minute": 42, "second": 54}
